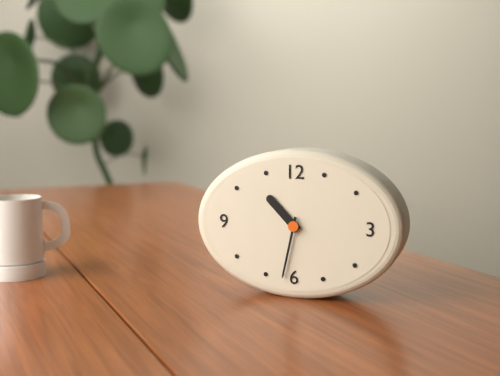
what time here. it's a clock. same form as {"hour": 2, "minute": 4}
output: {"hour": 10, "minute": 32}
